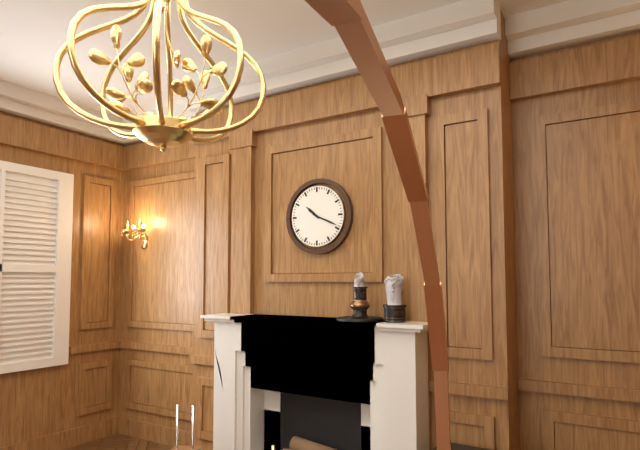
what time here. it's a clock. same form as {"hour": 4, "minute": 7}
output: {"hour": 10, "minute": 19}
